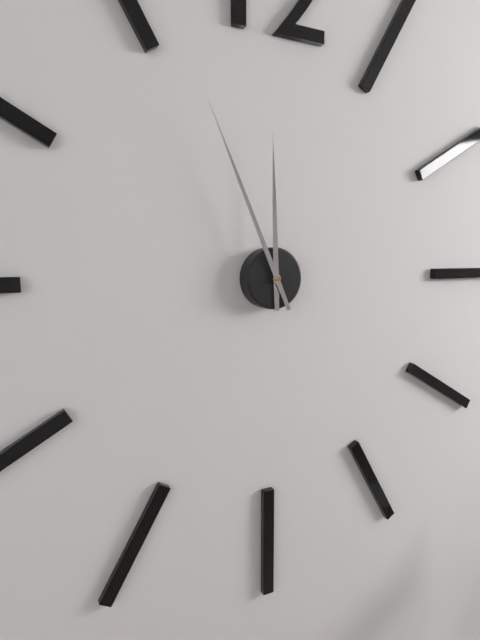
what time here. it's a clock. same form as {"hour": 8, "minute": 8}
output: {"hour": 11, "minute": 56}
